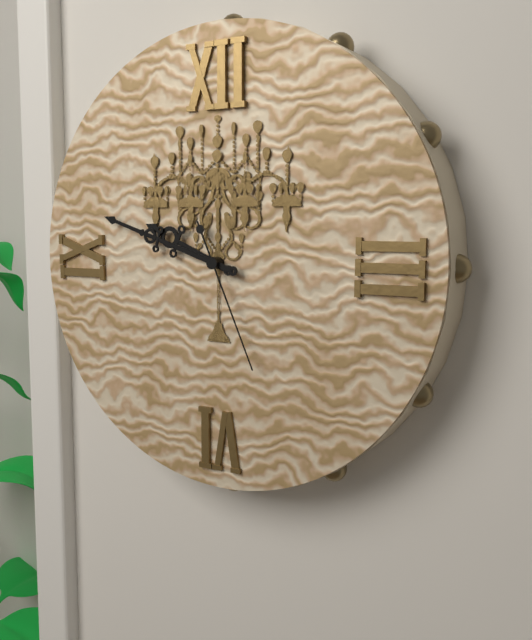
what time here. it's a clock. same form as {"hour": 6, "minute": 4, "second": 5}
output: {"hour": 9, "minute": 48, "second": 26}
